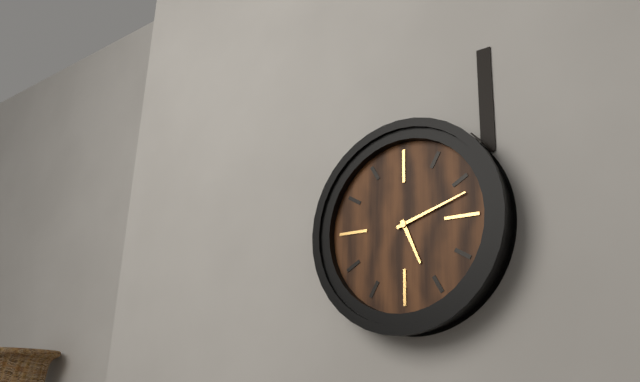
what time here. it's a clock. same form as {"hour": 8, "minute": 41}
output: {"hour": 5, "minute": 12}
